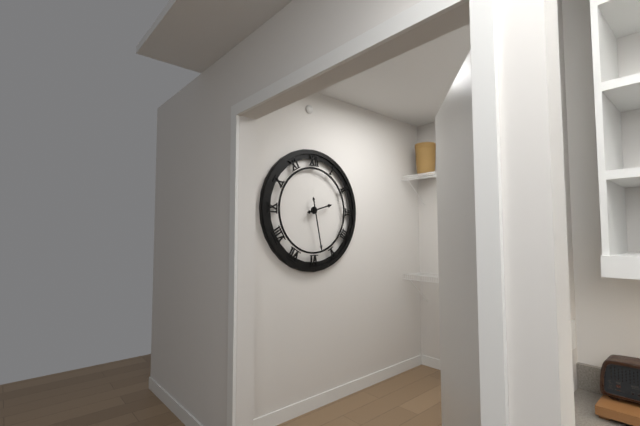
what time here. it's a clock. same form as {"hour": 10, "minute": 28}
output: {"hour": 2, "minute": 28}
